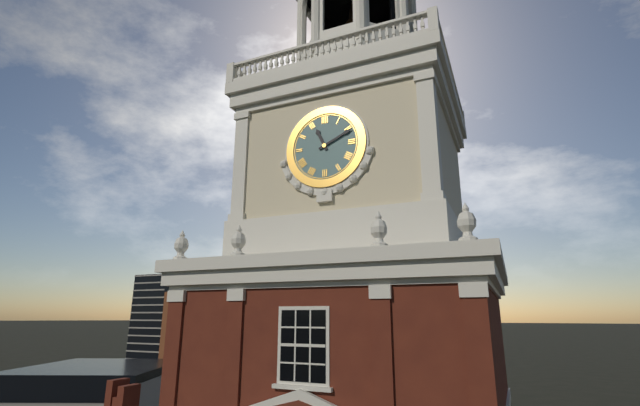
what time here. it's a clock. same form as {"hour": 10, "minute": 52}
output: {"hour": 11, "minute": 11}
